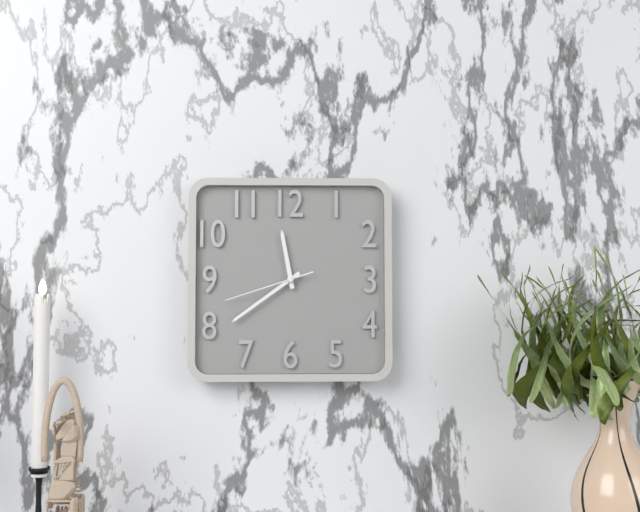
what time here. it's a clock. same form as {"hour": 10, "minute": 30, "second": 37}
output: {"hour": 11, "minute": 39, "second": 42}
